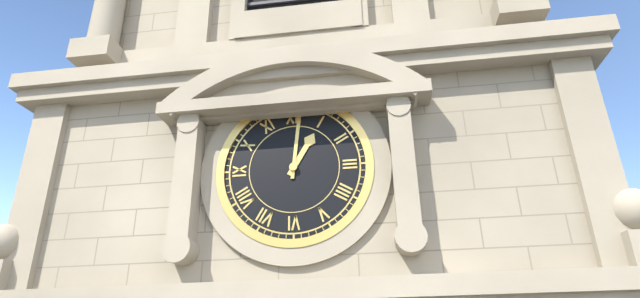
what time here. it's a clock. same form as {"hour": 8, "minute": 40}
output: {"hour": 1, "minute": 1}
